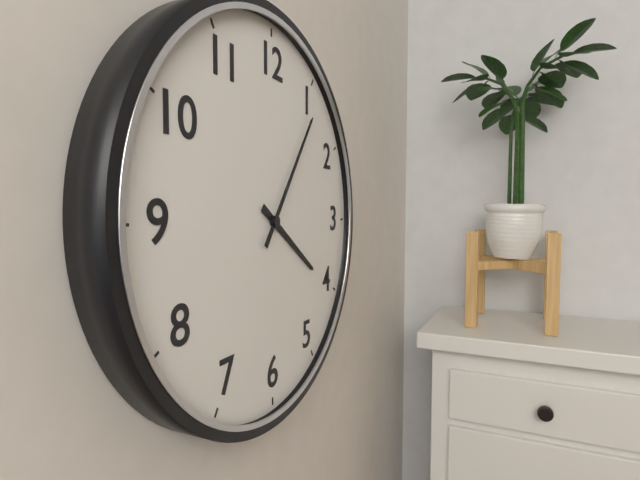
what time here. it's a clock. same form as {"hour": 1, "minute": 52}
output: {"hour": 4, "minute": 6}
